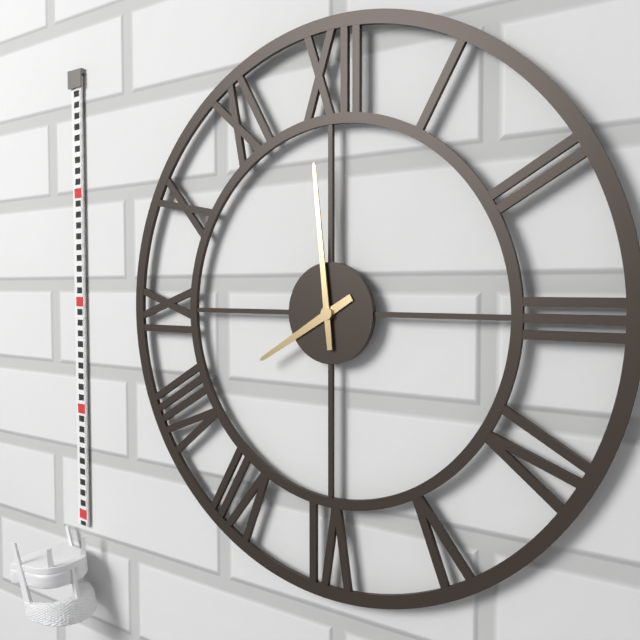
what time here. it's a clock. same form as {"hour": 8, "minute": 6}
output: {"hour": 7, "minute": 59}
